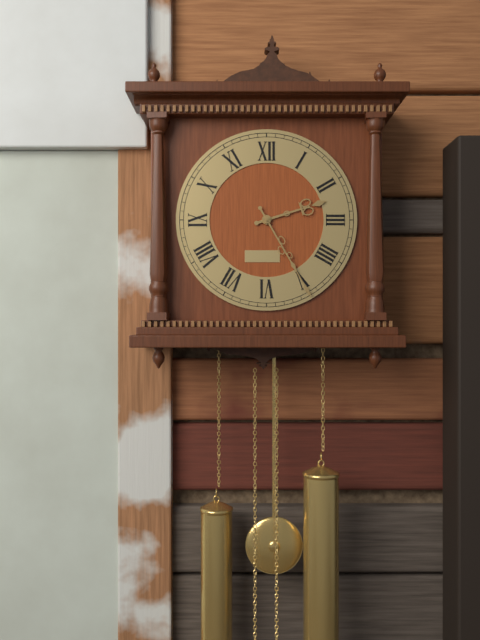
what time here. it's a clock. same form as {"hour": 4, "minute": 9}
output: {"hour": 2, "minute": 25}
